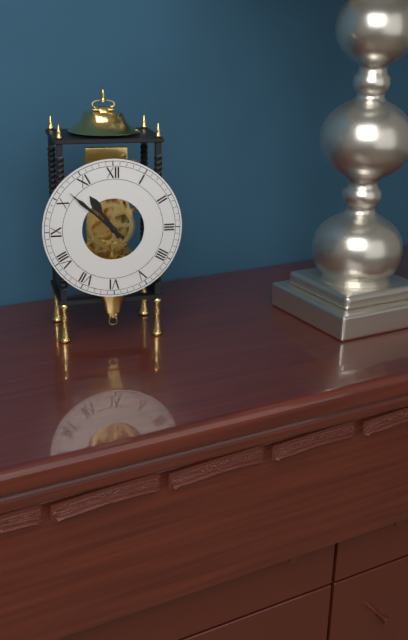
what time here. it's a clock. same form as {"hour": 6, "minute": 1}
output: {"hour": 10, "minute": 52}
